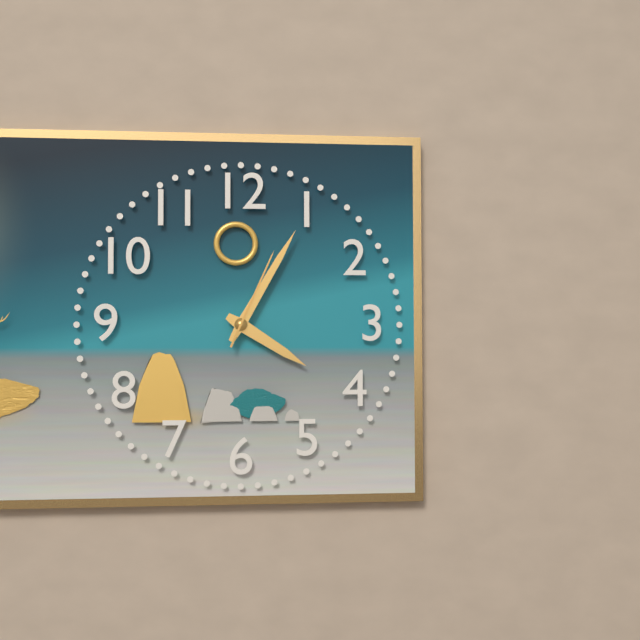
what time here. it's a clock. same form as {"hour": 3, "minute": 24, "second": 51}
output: {"hour": 4, "minute": 5, "second": 4}
